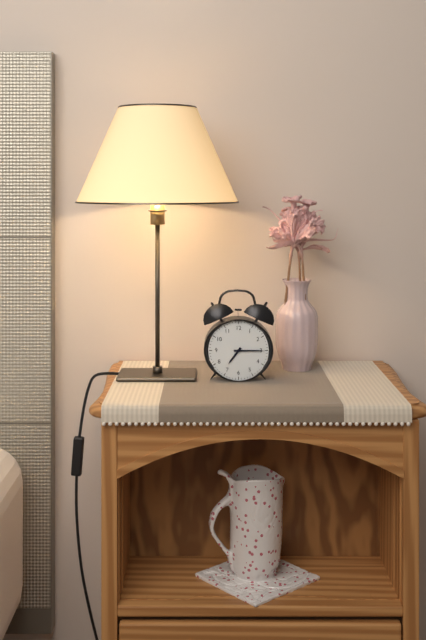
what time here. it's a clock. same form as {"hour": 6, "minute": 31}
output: {"hour": 7, "minute": 15}
